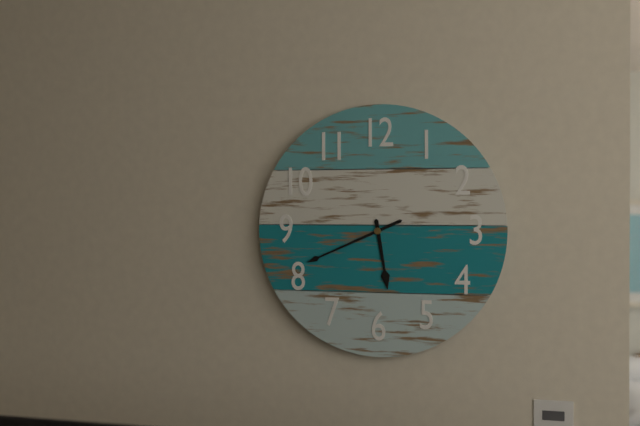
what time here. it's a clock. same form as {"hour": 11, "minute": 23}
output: {"hour": 5, "minute": 41}
